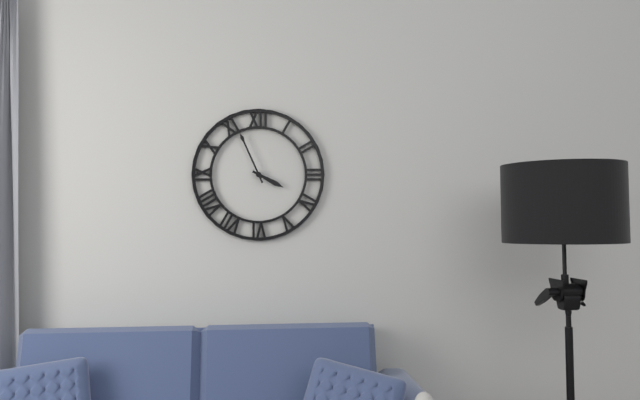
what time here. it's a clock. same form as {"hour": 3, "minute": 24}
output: {"hour": 3, "minute": 56}
